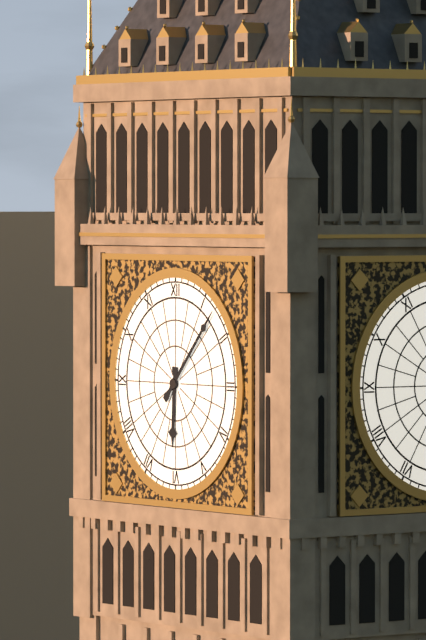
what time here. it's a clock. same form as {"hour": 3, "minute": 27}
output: {"hour": 6, "minute": 7}
